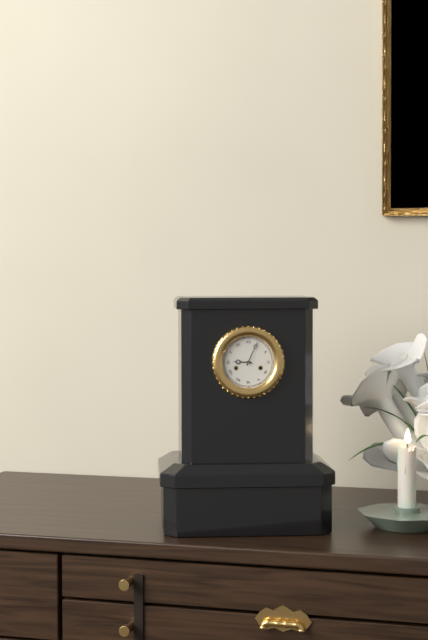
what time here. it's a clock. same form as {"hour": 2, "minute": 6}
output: {"hour": 9, "minute": 4}
